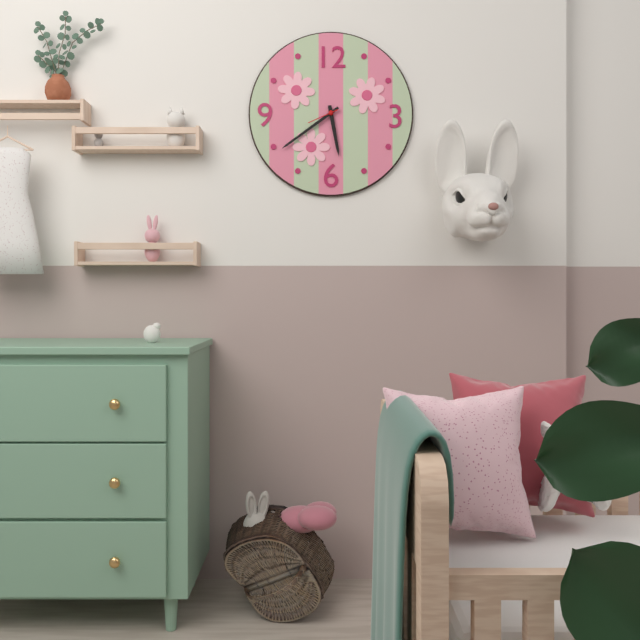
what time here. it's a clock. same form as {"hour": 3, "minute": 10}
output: {"hour": 5, "minute": 39}
